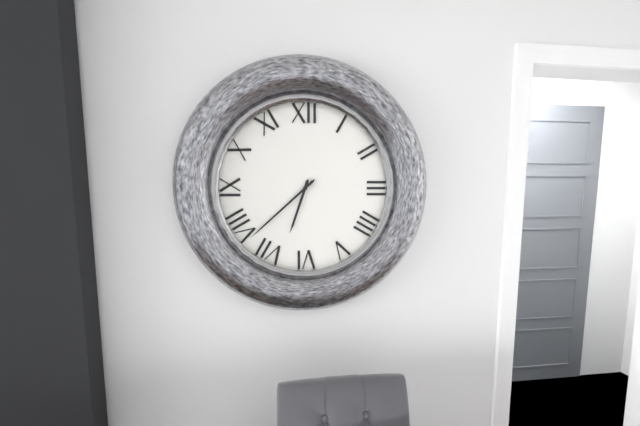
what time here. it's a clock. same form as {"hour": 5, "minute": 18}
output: {"hour": 6, "minute": 38}
